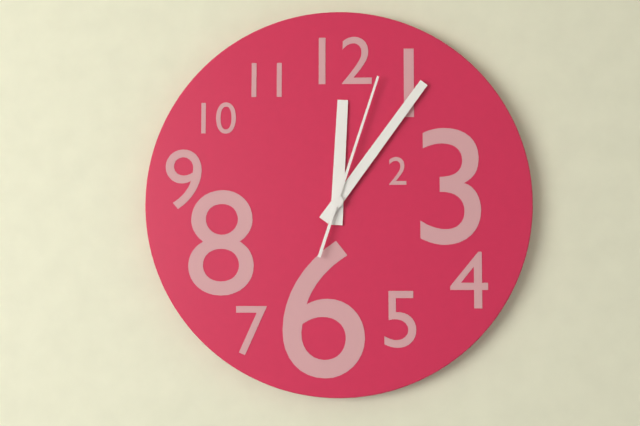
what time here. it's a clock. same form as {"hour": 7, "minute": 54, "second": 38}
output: {"hour": 12, "minute": 6, "second": 3}
